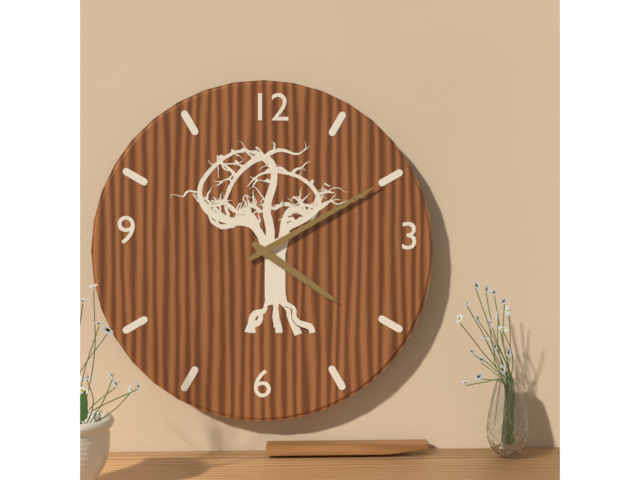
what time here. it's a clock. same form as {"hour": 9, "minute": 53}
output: {"hour": 4, "minute": 10}
